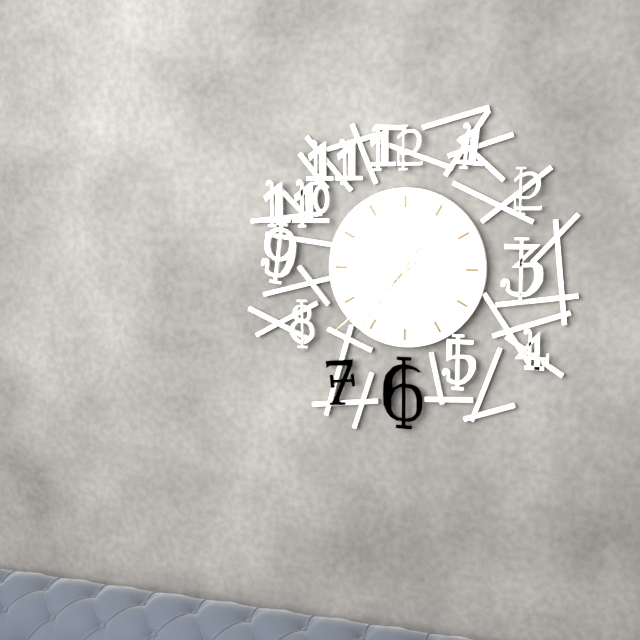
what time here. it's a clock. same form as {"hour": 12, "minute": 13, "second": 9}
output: {"hour": 4, "minute": 38, "second": 36}
